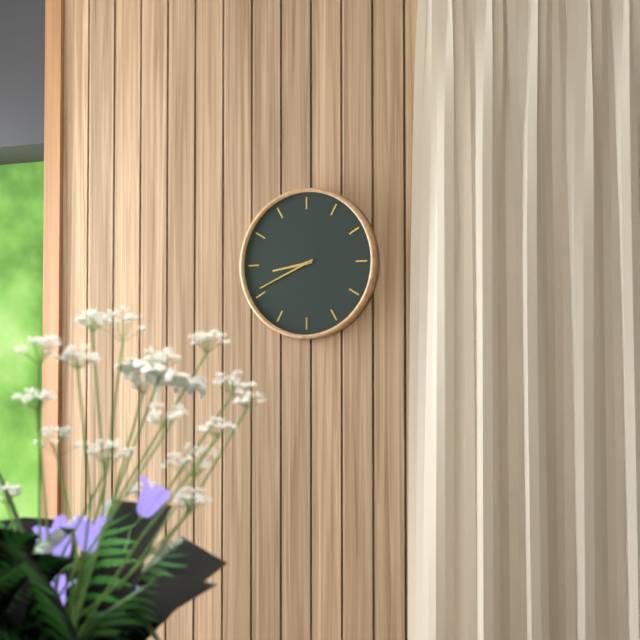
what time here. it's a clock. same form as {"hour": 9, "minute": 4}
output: {"hour": 8, "minute": 41}
